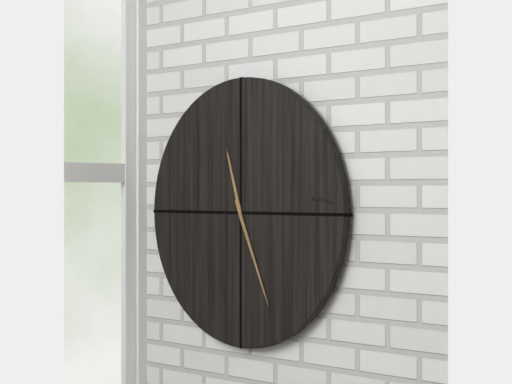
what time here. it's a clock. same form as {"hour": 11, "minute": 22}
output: {"hour": 11, "minute": 26}
